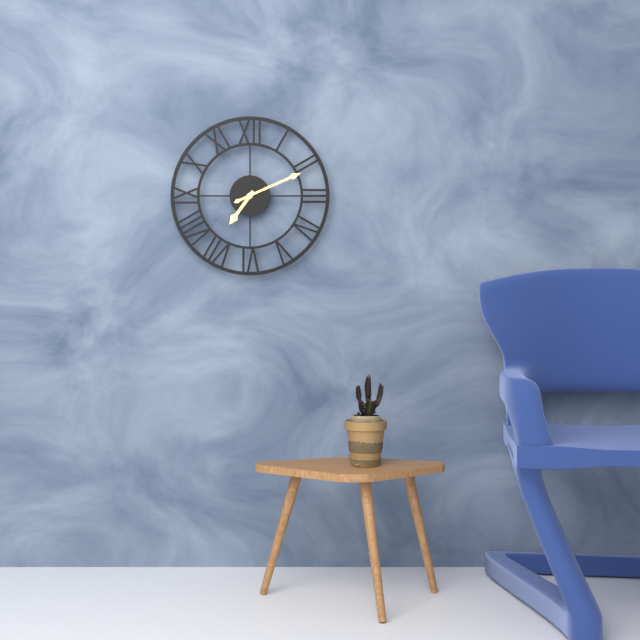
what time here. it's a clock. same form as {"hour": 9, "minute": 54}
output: {"hour": 7, "minute": 11}
